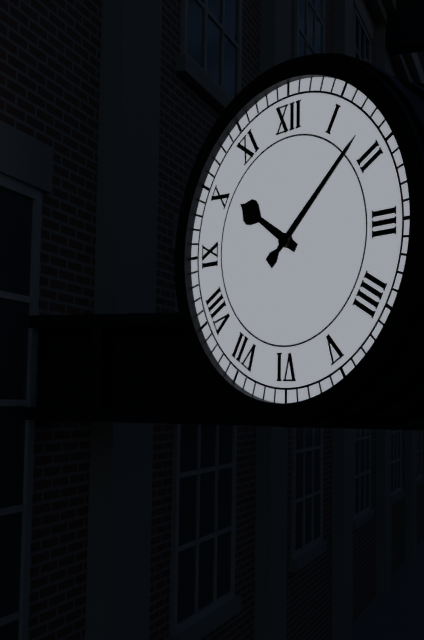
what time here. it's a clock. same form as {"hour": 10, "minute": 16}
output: {"hour": 10, "minute": 8}
